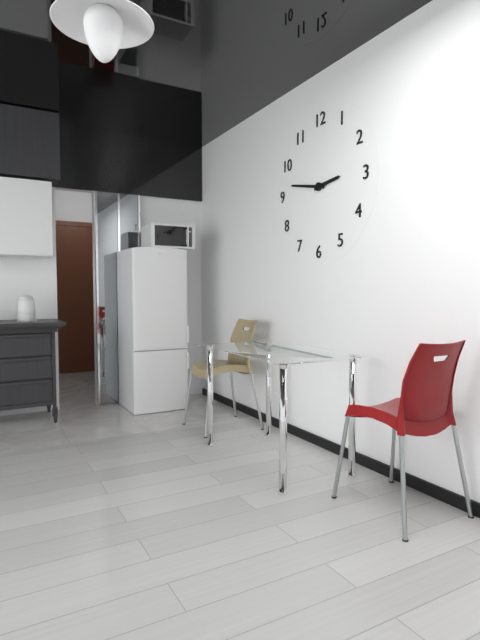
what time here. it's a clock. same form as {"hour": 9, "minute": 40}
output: {"hour": 2, "minute": 47}
